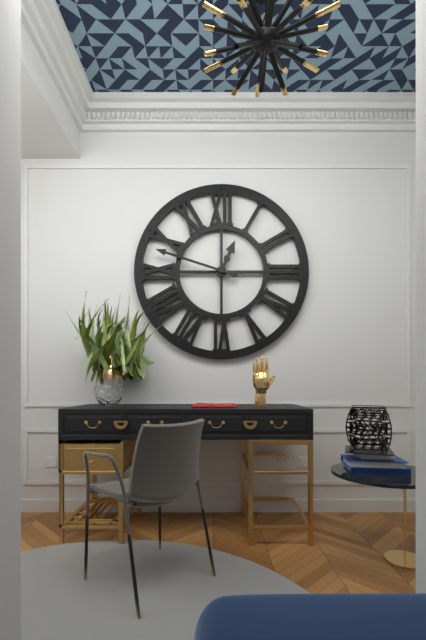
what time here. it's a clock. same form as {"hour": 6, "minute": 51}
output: {"hour": 12, "minute": 48}
